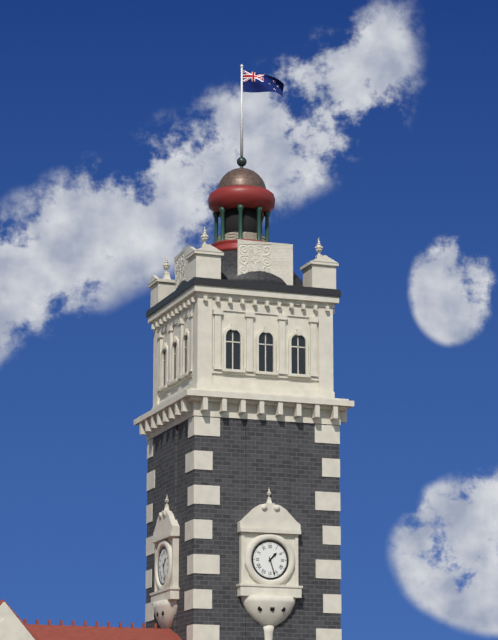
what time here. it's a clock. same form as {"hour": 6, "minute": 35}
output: {"hour": 1, "minute": 27}
